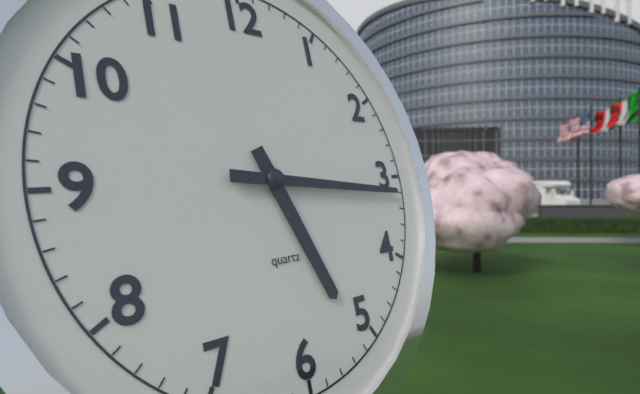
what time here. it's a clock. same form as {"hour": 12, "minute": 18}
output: {"hour": 5, "minute": 16}
